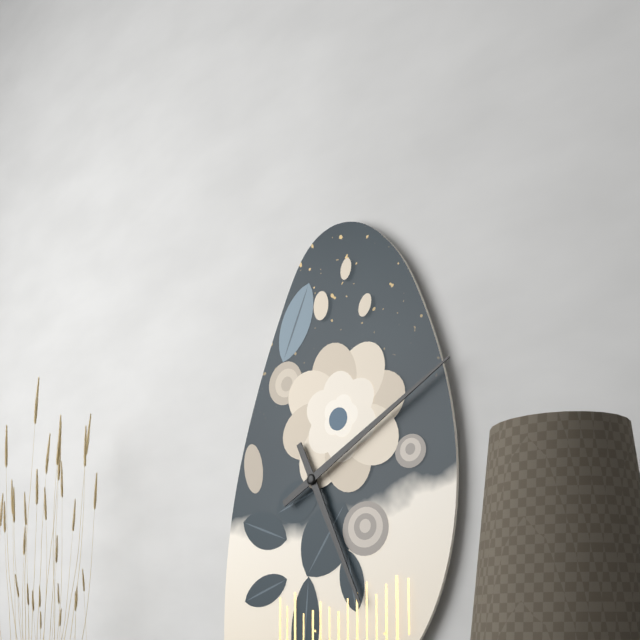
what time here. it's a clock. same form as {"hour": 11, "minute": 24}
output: {"hour": 5, "minute": 10}
